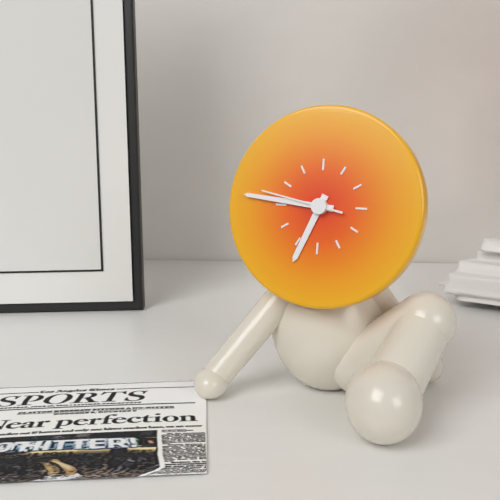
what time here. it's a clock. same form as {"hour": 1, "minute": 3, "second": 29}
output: {"hour": 6, "minute": 46, "second": 47}
